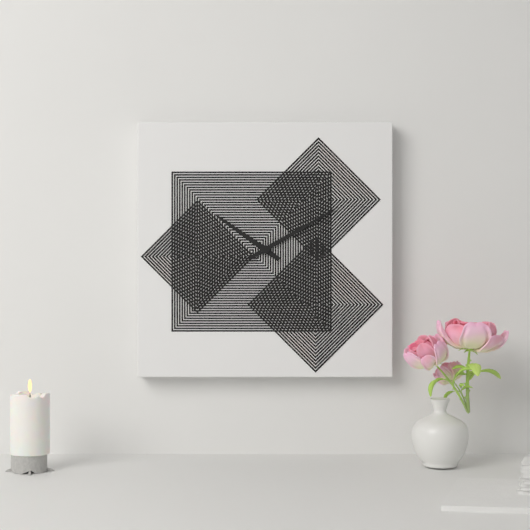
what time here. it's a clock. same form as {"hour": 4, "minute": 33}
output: {"hour": 10, "minute": 10}
